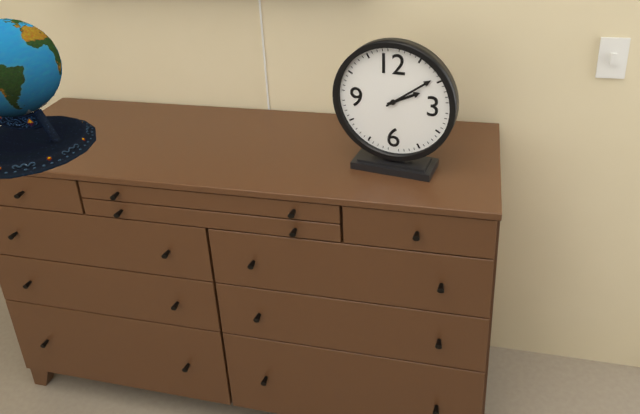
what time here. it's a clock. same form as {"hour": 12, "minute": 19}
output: {"hour": 2, "minute": 9}
